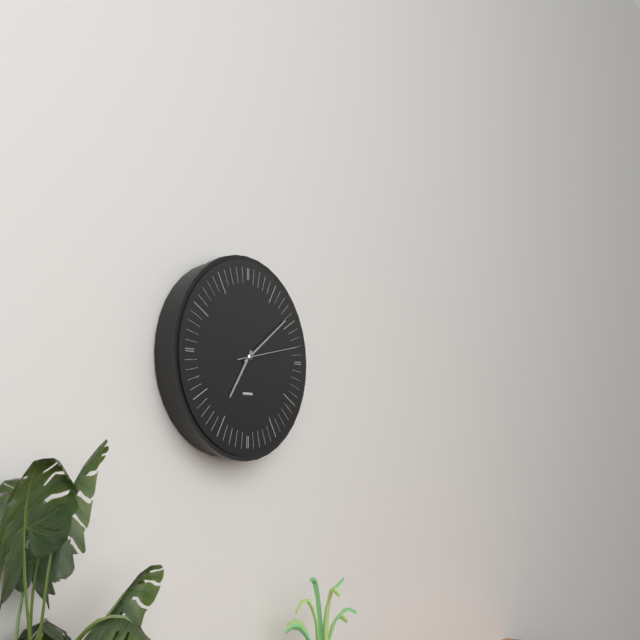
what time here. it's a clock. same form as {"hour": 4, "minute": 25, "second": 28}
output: {"hour": 7, "minute": 9, "second": 13}
